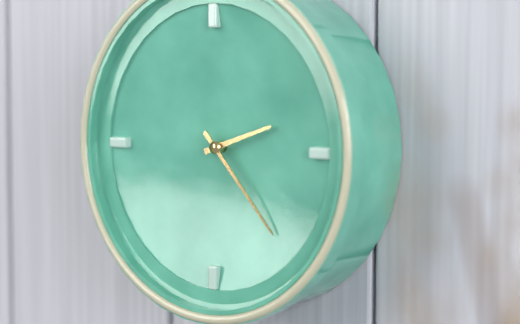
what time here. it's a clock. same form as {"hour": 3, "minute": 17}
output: {"hour": 2, "minute": 23}
